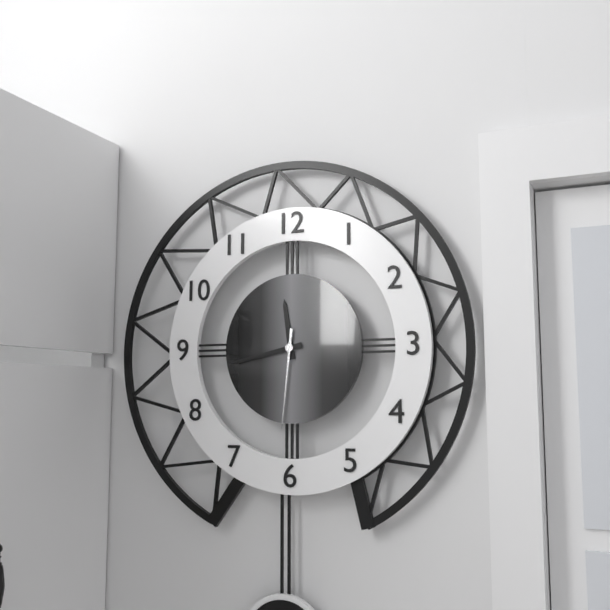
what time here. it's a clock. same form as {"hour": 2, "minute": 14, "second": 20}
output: {"hour": 11, "minute": 43, "second": 31}
